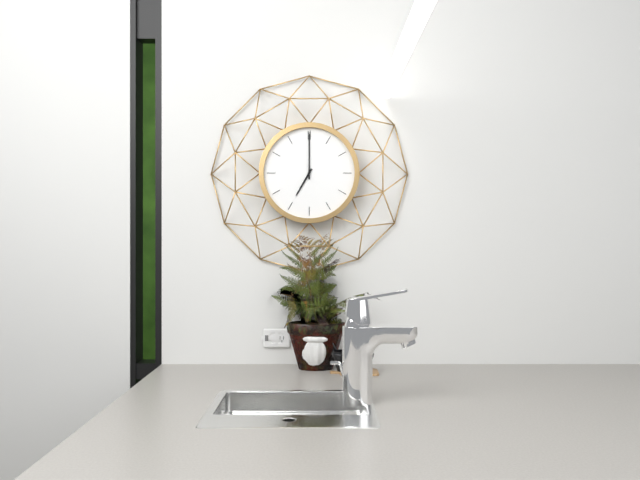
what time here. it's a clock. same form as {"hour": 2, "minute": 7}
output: {"hour": 7, "minute": 0}
